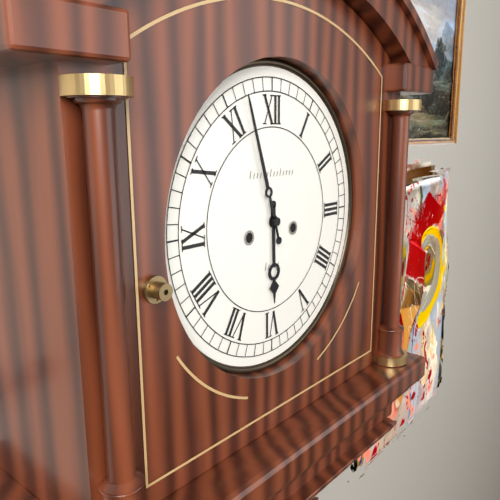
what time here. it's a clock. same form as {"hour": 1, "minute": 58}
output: {"hour": 5, "minute": 57}
